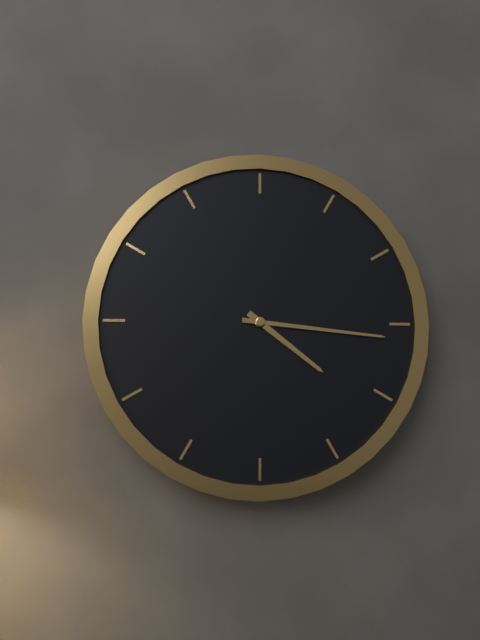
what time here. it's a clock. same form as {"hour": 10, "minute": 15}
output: {"hour": 4, "minute": 16}
